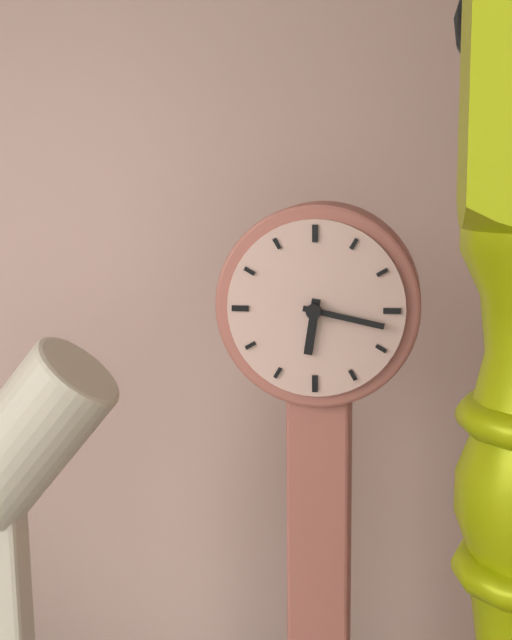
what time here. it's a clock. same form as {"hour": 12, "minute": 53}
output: {"hour": 6, "minute": 17}
